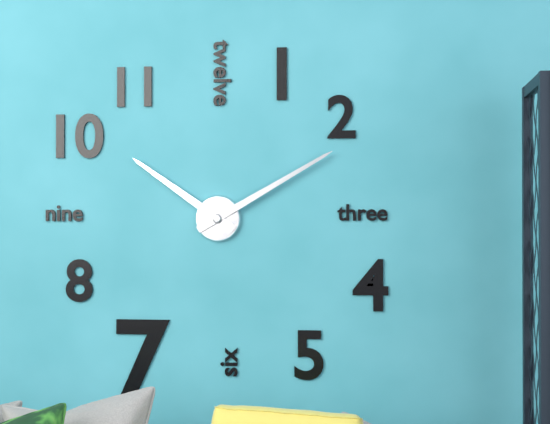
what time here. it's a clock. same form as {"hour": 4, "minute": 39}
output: {"hour": 10, "minute": 10}
